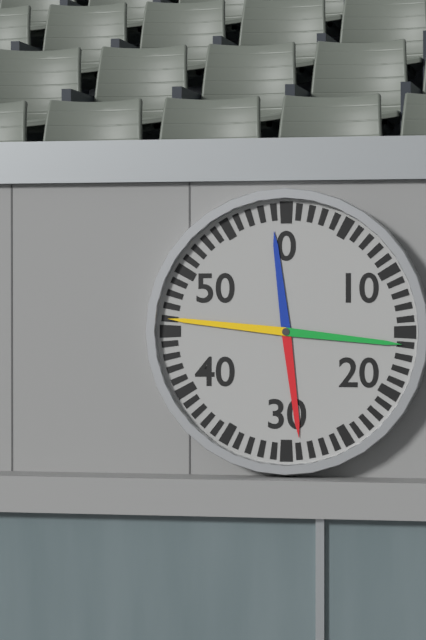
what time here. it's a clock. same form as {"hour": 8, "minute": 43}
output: {"hour": 5, "minute": 46}
